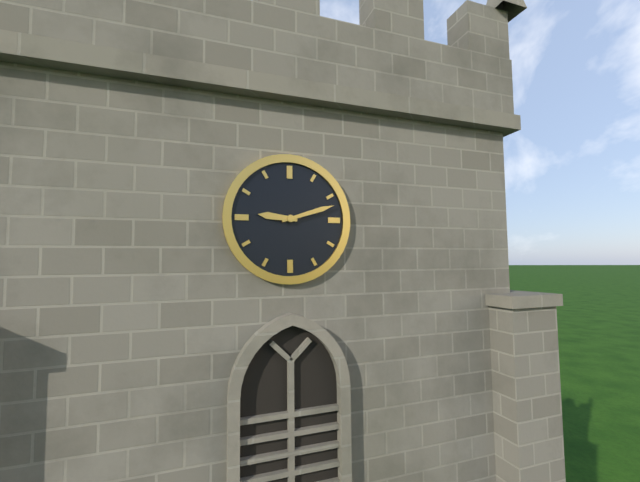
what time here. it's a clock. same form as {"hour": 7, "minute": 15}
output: {"hour": 9, "minute": 12}
